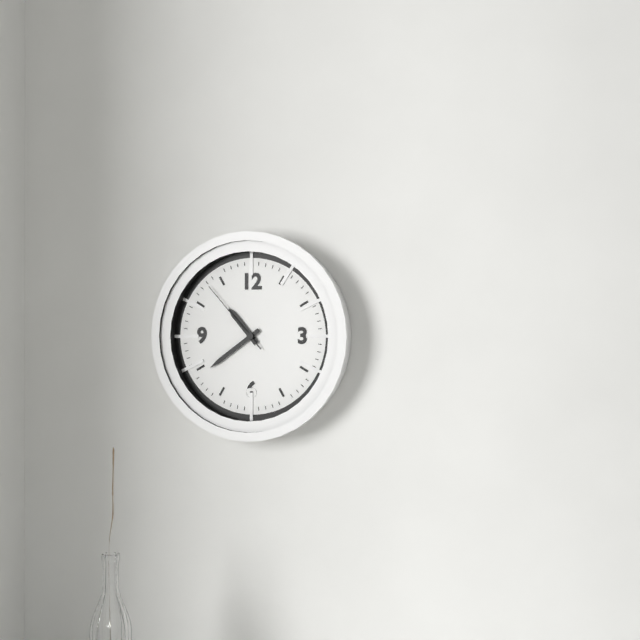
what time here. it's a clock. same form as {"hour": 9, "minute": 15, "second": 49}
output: {"hour": 10, "minute": 39, "second": 53}
